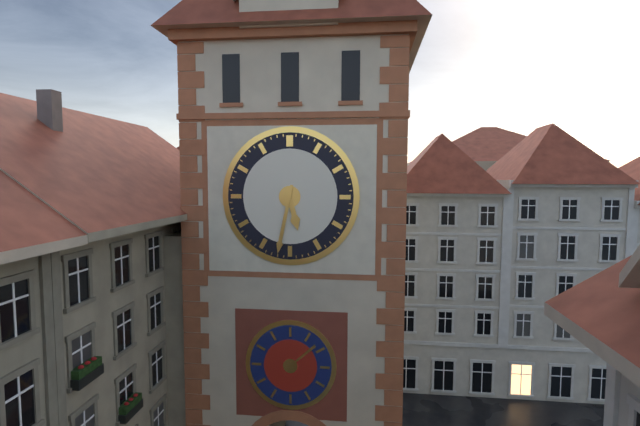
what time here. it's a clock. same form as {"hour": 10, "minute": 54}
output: {"hour": 5, "minute": 32}
